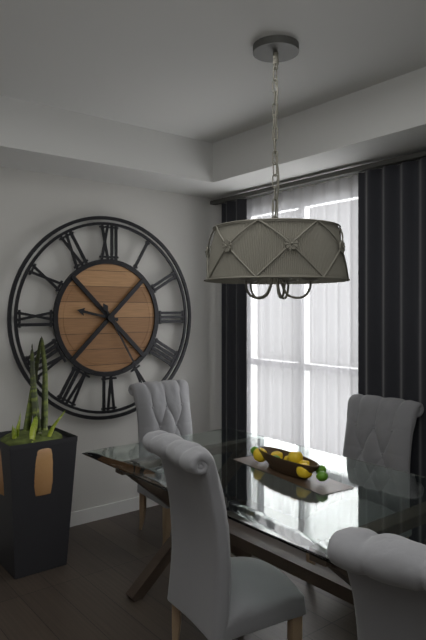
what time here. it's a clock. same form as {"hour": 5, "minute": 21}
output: {"hour": 9, "minute": 25}
